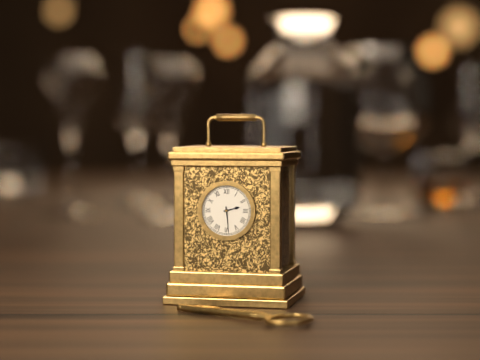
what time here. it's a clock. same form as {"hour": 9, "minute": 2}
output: {"hour": 2, "minute": 29}
